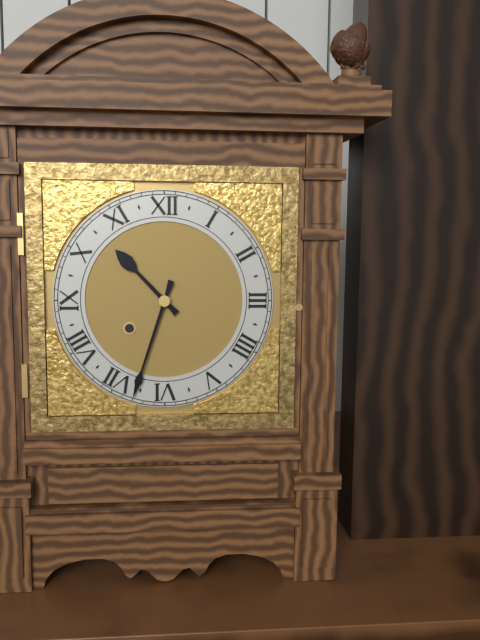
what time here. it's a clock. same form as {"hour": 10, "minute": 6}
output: {"hour": 10, "minute": 33}
